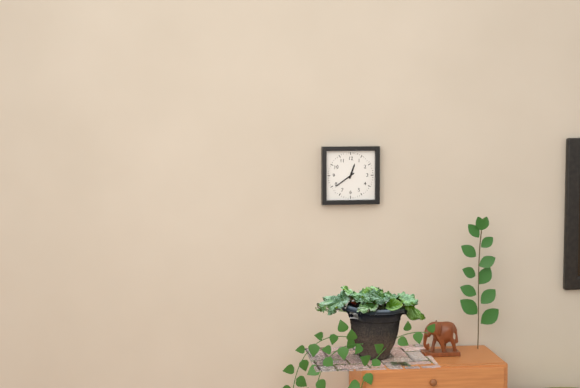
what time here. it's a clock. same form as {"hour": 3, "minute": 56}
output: {"hour": 12, "minute": 39}
